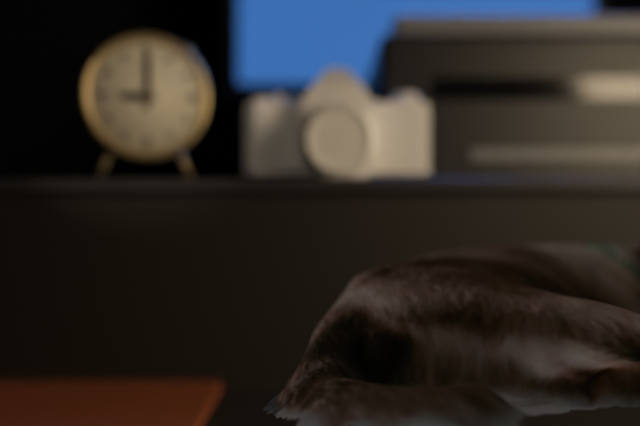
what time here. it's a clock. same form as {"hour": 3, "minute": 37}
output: {"hour": 9, "minute": 0}
